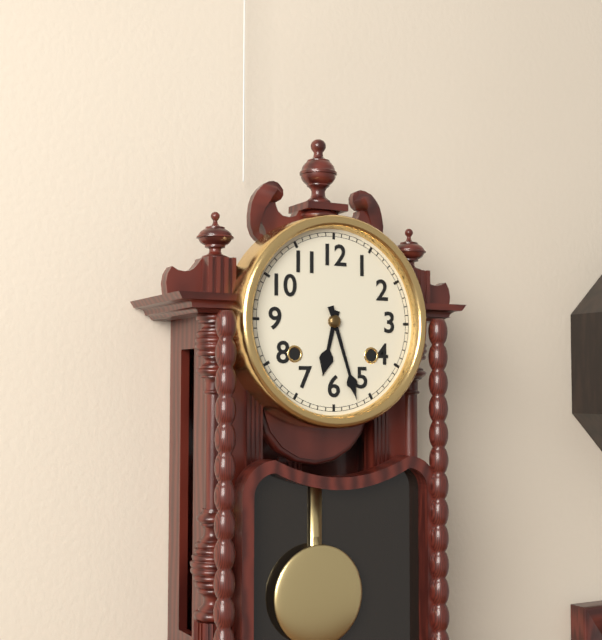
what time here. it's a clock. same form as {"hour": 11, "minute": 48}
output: {"hour": 6, "minute": 27}
